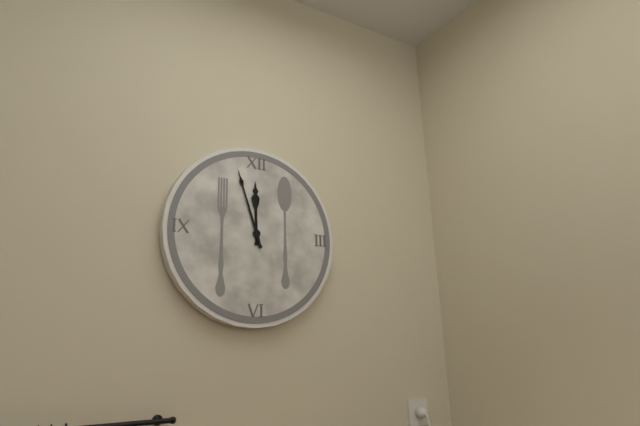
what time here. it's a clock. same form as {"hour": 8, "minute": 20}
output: {"hour": 11, "minute": 57}
